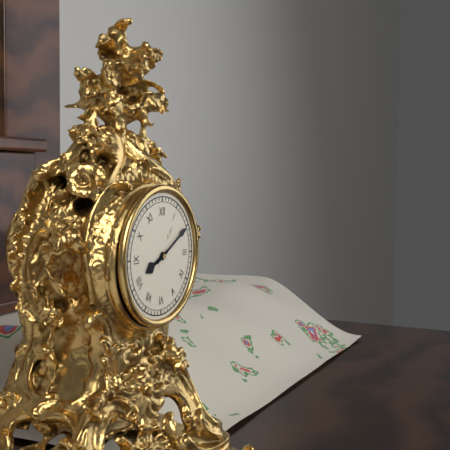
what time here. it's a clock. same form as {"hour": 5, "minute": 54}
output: {"hour": 8, "minute": 10}
